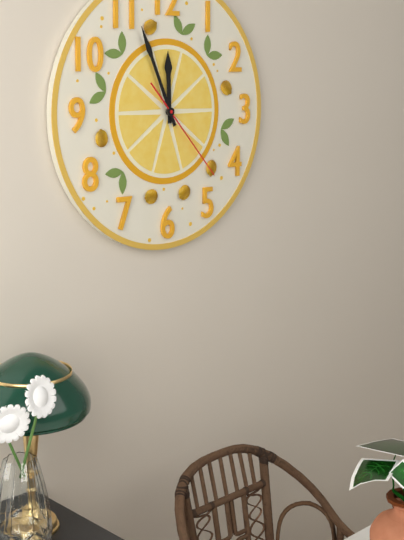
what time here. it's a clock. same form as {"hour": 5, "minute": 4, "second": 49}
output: {"hour": 11, "minute": 56, "second": 23}
